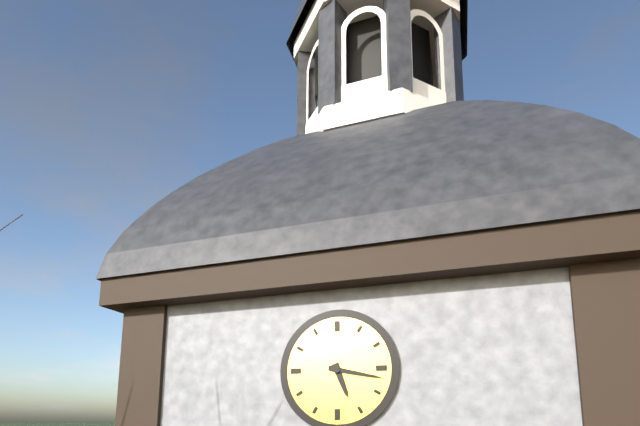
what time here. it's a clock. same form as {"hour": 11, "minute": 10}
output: {"hour": 5, "minute": 17}
